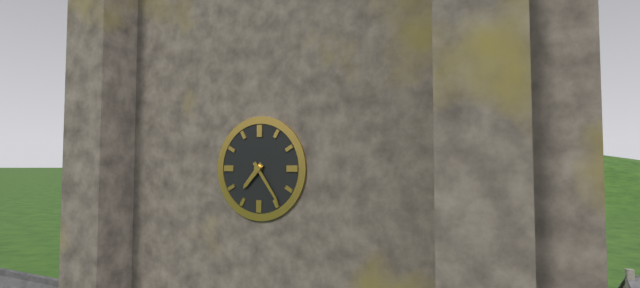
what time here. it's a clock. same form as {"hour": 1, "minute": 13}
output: {"hour": 7, "minute": 24}
